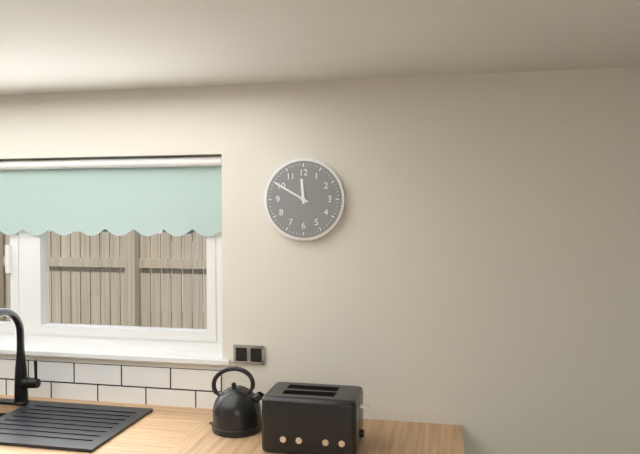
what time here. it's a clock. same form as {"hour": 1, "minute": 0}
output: {"hour": 11, "minute": 50}
